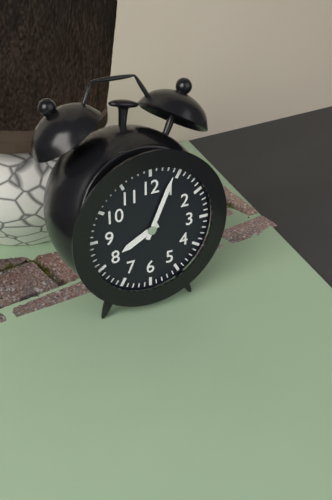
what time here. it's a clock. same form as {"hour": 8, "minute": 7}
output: {"hour": 8, "minute": 4}
